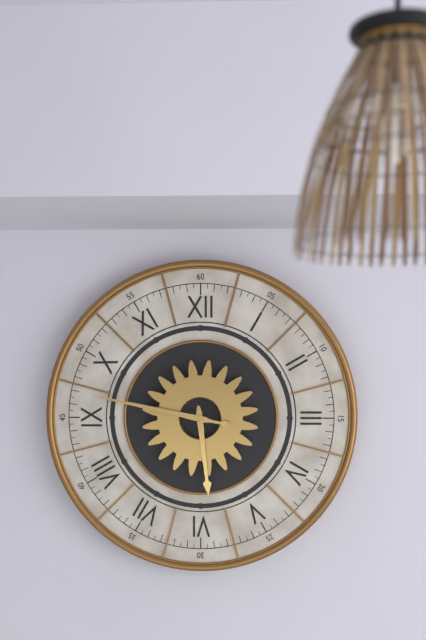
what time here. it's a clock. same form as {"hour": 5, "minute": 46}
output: {"hour": 5, "minute": 47}
